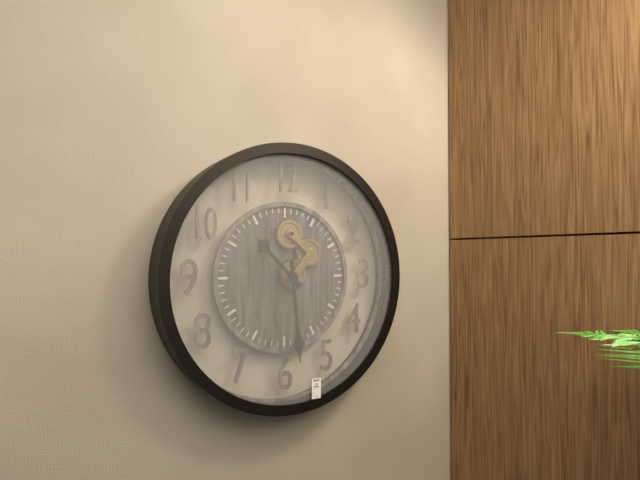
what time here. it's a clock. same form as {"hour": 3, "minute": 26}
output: {"hour": 10, "minute": 29}
